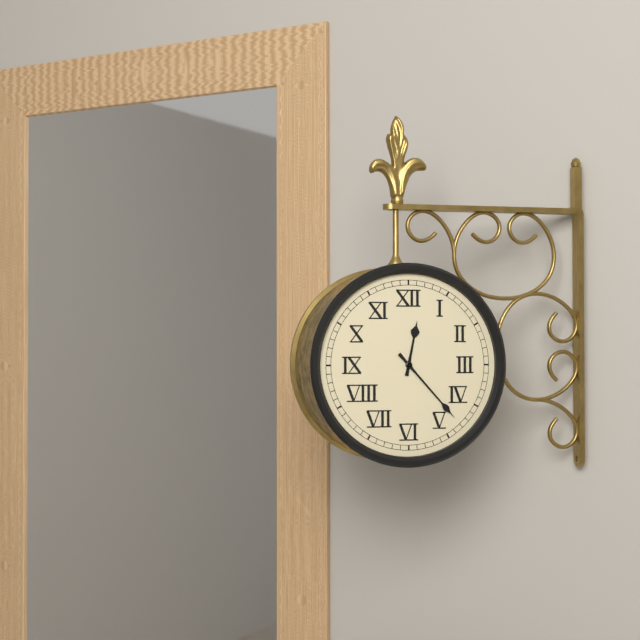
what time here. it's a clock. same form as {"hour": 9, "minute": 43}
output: {"hour": 12, "minute": 23}
